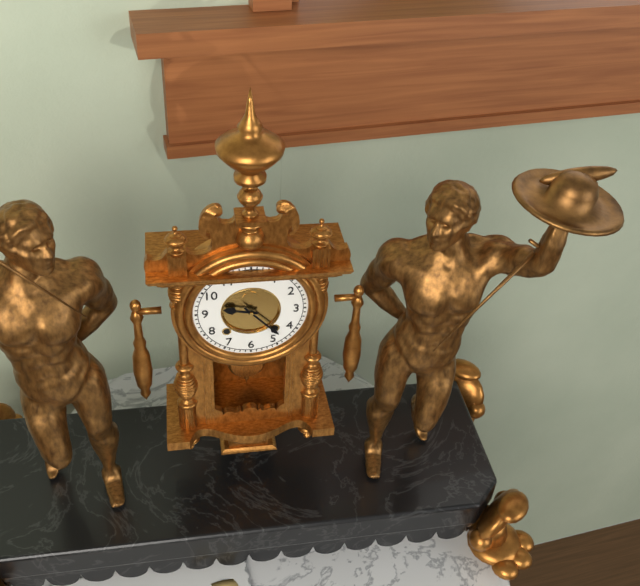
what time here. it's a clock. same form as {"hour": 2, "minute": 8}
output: {"hour": 9, "minute": 23}
